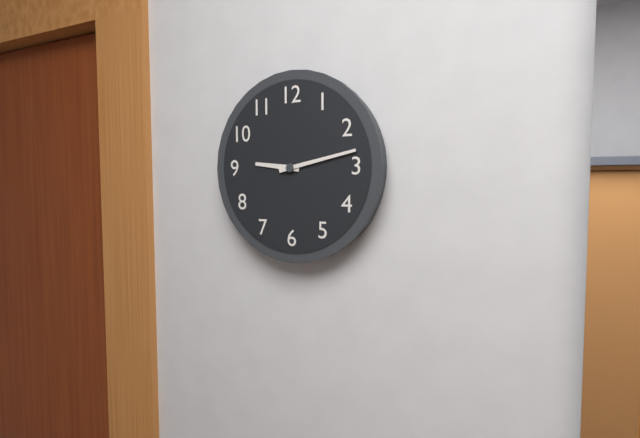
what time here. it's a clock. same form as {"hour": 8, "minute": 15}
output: {"hour": 9, "minute": 13}
